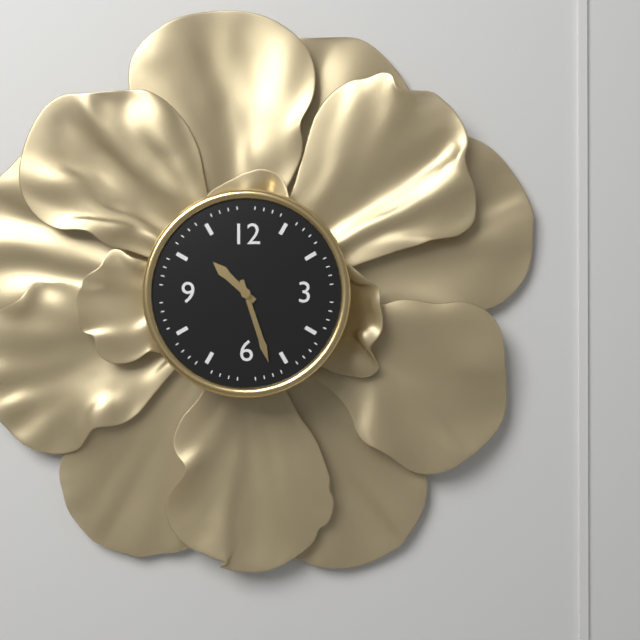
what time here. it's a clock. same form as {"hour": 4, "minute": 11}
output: {"hour": 10, "minute": 27}
